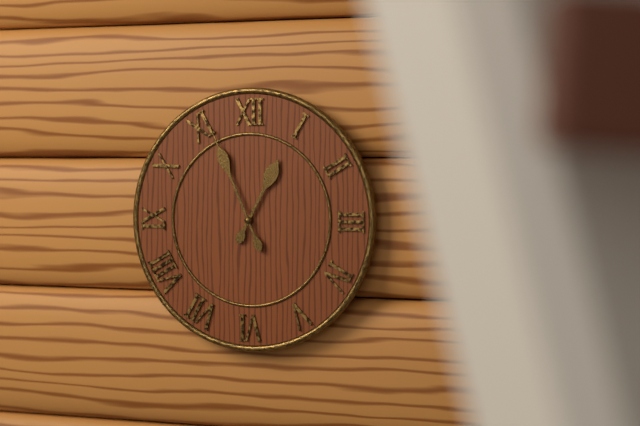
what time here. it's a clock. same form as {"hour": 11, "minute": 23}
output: {"hour": 12, "minute": 56}
